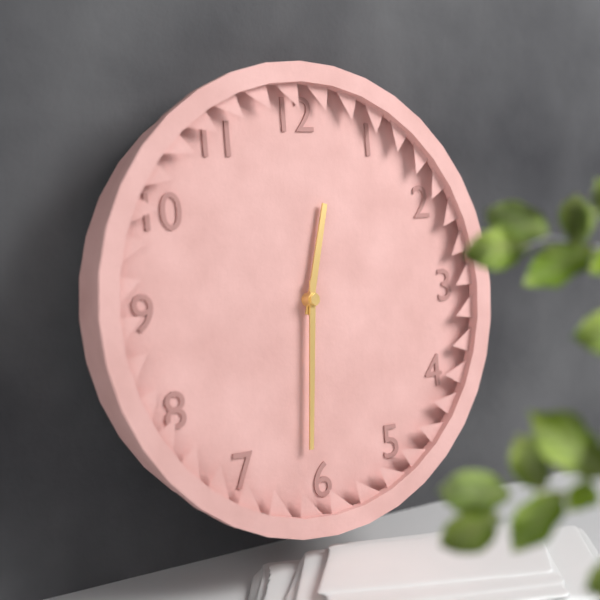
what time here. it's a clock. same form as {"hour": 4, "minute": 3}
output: {"hour": 12, "minute": 31}
